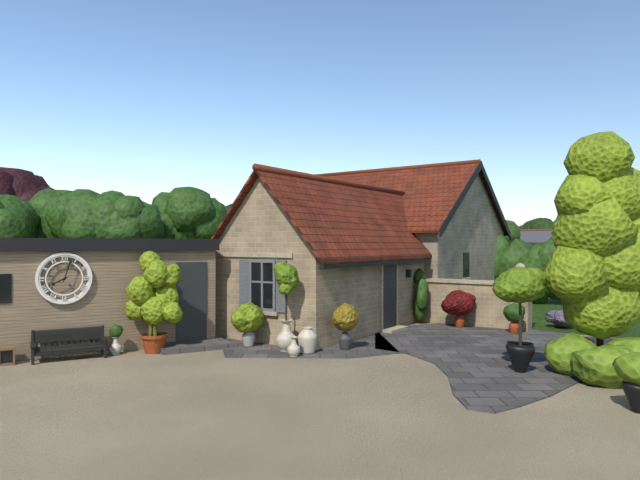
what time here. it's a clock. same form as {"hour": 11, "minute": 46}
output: {"hour": 8, "minute": 3}
